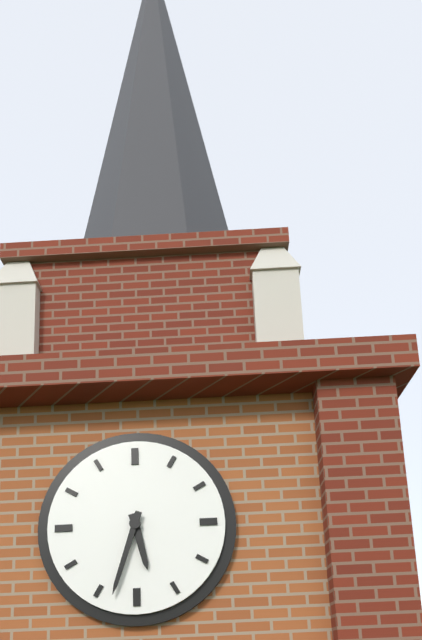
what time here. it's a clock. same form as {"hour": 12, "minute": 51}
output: {"hour": 5, "minute": 33}
